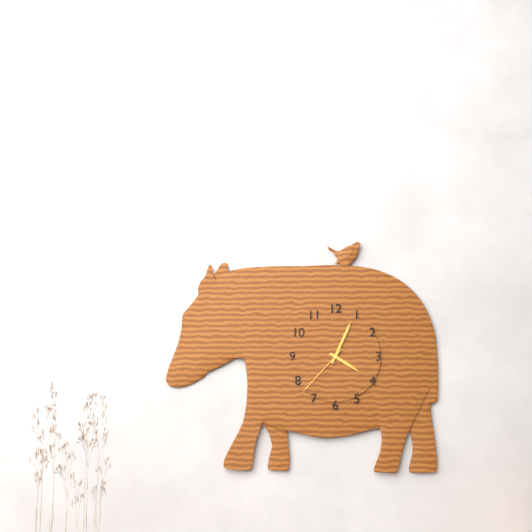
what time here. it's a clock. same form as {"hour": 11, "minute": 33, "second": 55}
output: {"hour": 4, "minute": 4, "second": 37}
